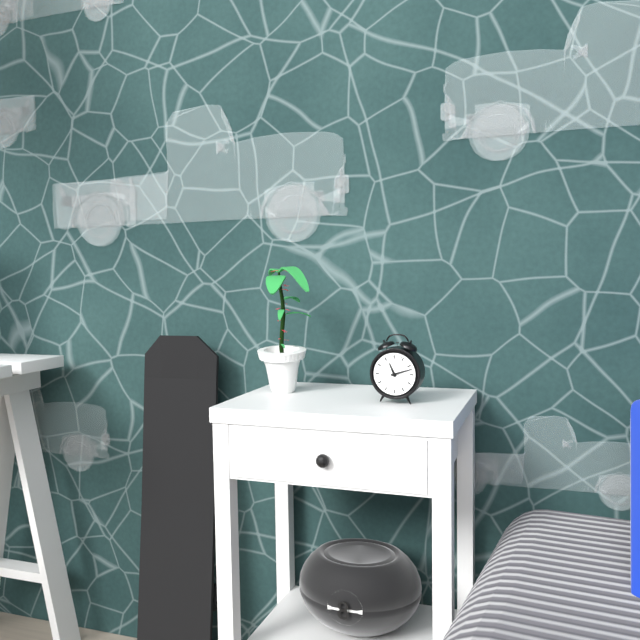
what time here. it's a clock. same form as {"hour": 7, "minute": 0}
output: {"hour": 11, "minute": 12}
